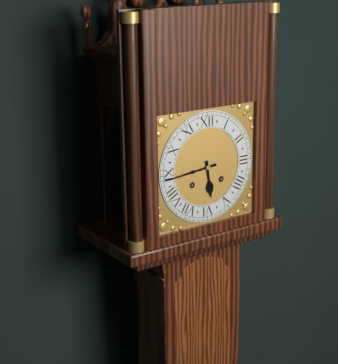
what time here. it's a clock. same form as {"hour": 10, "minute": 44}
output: {"hour": 5, "minute": 44}
